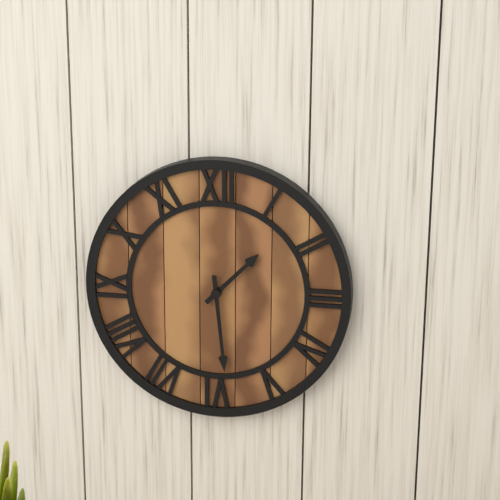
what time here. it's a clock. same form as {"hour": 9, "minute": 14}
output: {"hour": 1, "minute": 29}
